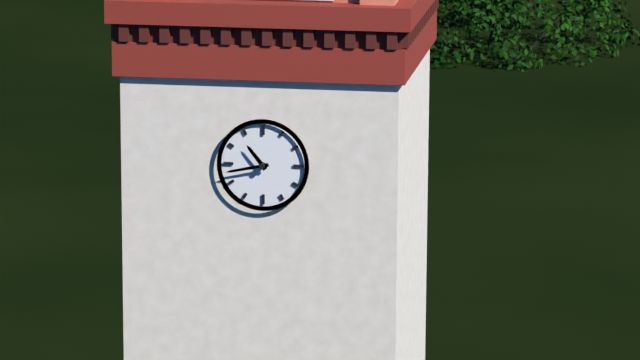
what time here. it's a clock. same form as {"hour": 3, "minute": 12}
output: {"hour": 10, "minute": 43}
